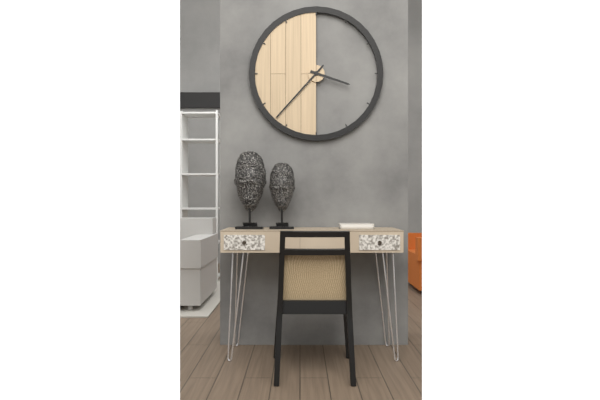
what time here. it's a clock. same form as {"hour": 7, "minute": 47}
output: {"hour": 3, "minute": 37}
